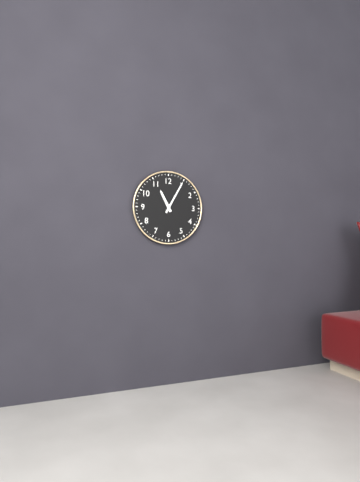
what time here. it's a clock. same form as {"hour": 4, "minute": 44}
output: {"hour": 11, "minute": 5}
